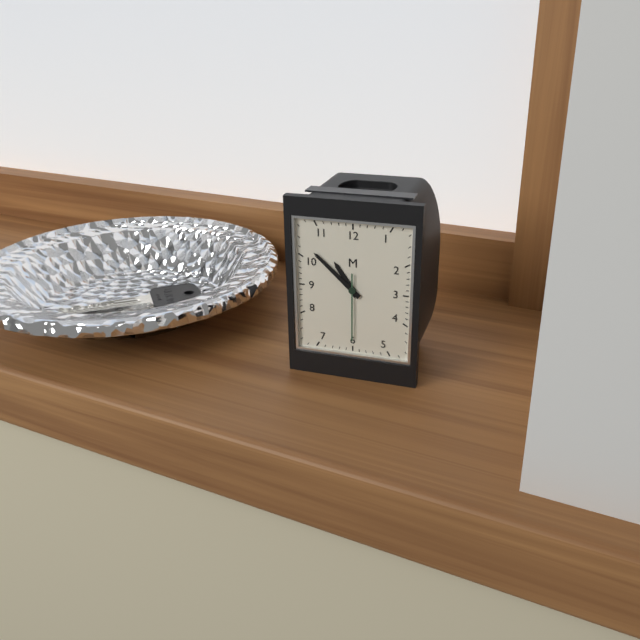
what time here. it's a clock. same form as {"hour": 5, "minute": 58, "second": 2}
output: {"hour": 10, "minute": 52, "second": 30}
